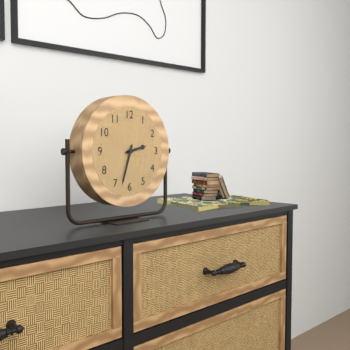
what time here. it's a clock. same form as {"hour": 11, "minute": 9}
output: {"hour": 2, "minute": 33}
